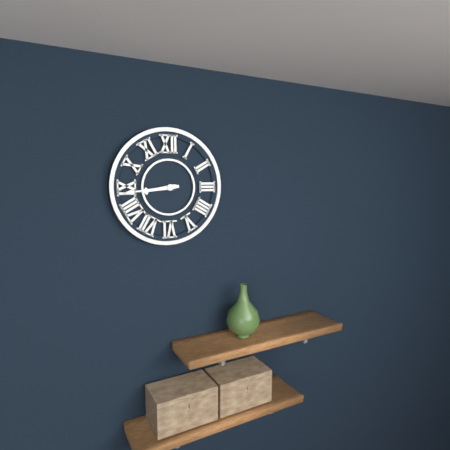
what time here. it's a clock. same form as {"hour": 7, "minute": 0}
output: {"hour": 8, "minute": 44}
